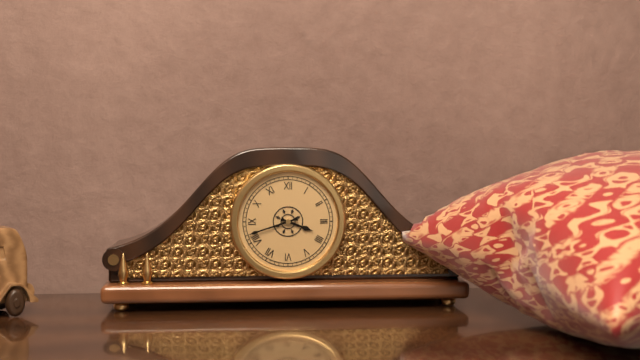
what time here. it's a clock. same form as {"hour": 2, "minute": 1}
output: {"hour": 3, "minute": 42}
